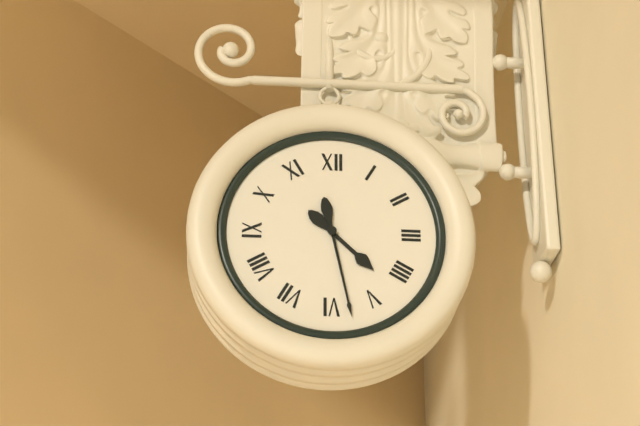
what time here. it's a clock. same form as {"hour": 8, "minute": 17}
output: {"hour": 4, "minute": 28}
